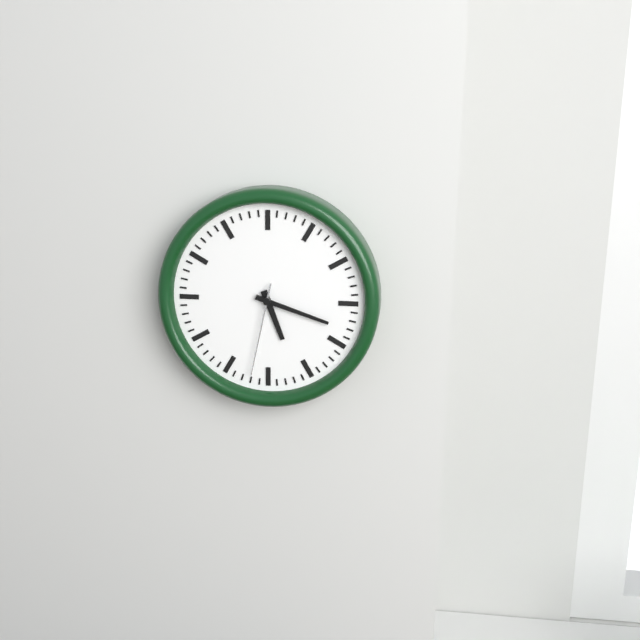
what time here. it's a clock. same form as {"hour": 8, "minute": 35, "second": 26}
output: {"hour": 5, "minute": 18, "second": 32}
